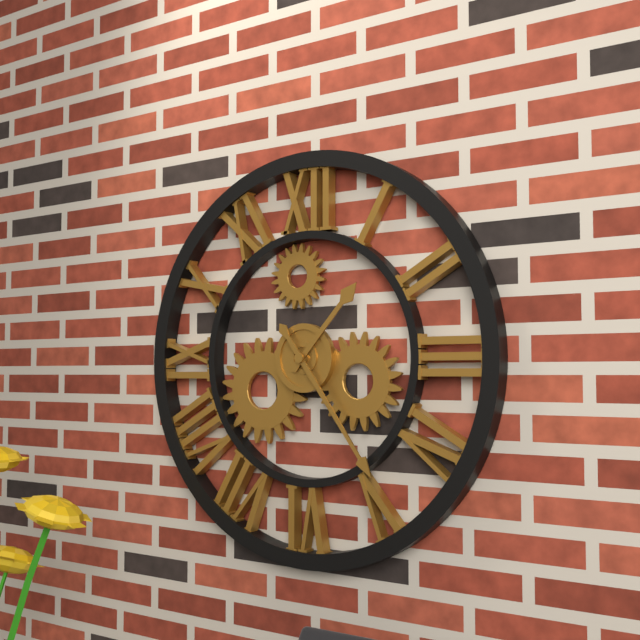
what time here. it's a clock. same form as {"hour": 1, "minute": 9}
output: {"hour": 1, "minute": 24}
